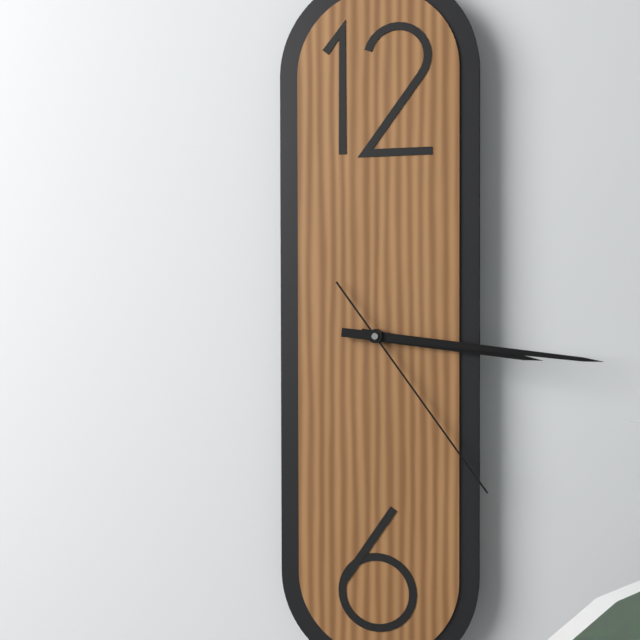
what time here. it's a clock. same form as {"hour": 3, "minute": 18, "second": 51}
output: {"hour": 3, "minute": 16, "second": 24}
